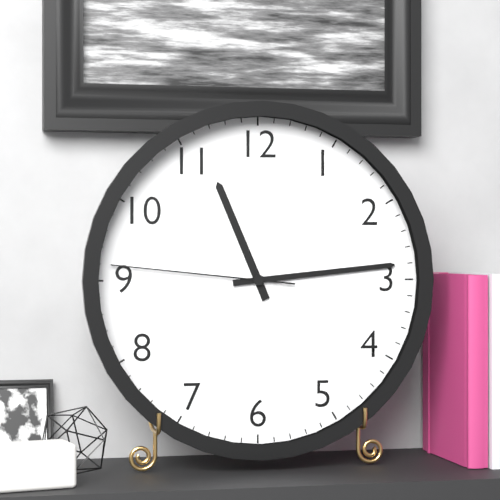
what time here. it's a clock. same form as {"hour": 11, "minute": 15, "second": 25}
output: {"hour": 11, "minute": 14, "second": 46}
